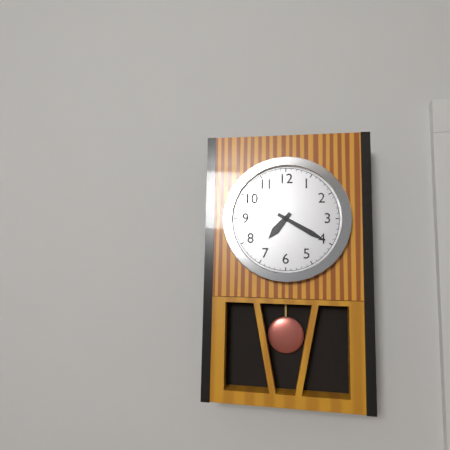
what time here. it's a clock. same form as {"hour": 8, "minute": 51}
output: {"hour": 7, "minute": 20}
